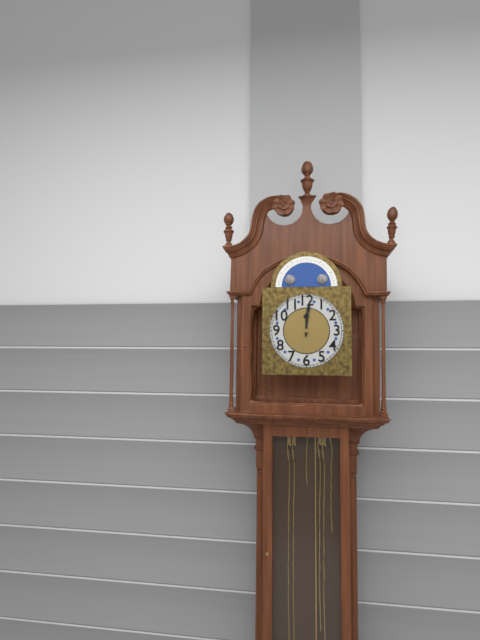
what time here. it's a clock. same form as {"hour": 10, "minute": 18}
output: {"hour": 12, "minute": 1}
